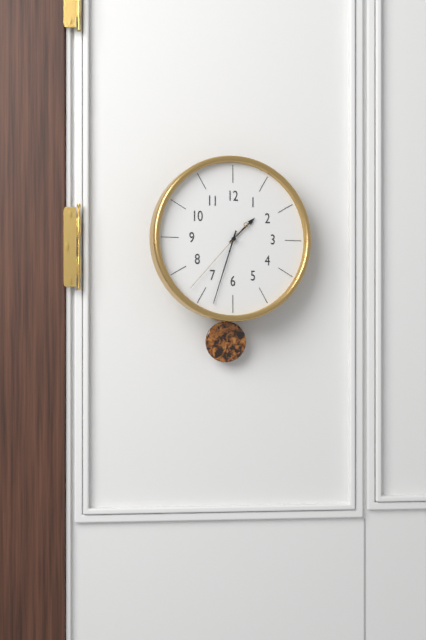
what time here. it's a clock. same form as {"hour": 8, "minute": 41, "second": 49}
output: {"hour": 1, "minute": 33, "second": 37}
